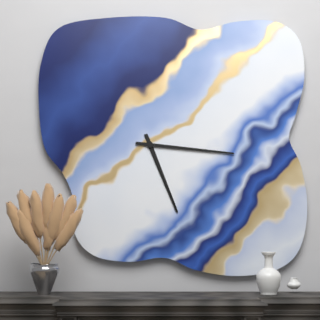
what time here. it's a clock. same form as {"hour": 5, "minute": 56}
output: {"hour": 5, "minute": 16}
